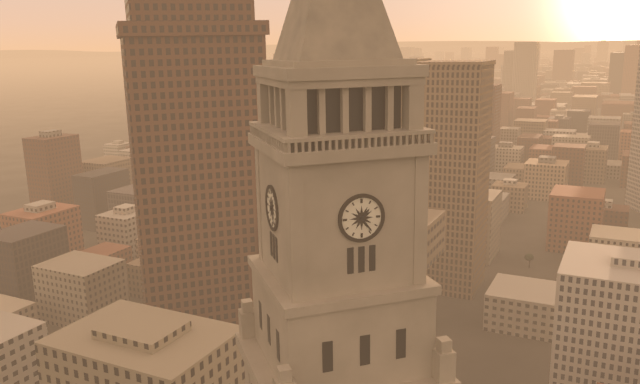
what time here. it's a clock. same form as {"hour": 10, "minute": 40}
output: {"hour": 1, "minute": 24}
